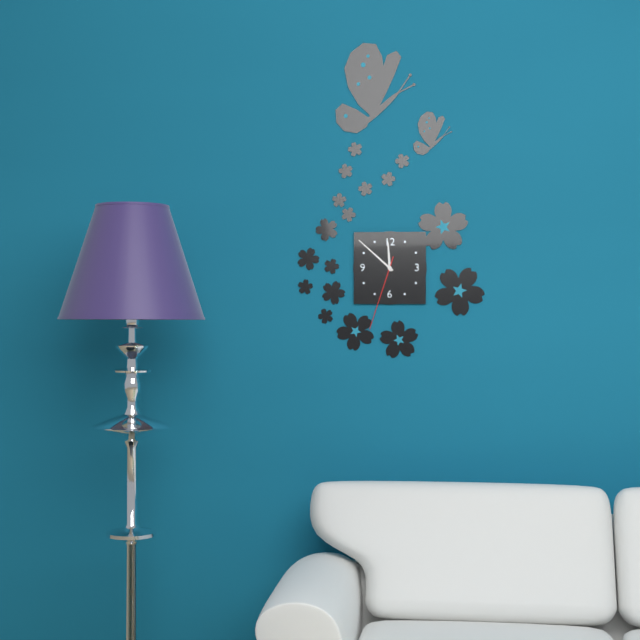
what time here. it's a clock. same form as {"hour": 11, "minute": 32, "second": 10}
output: {"hour": 11, "minute": 52, "second": 33}
